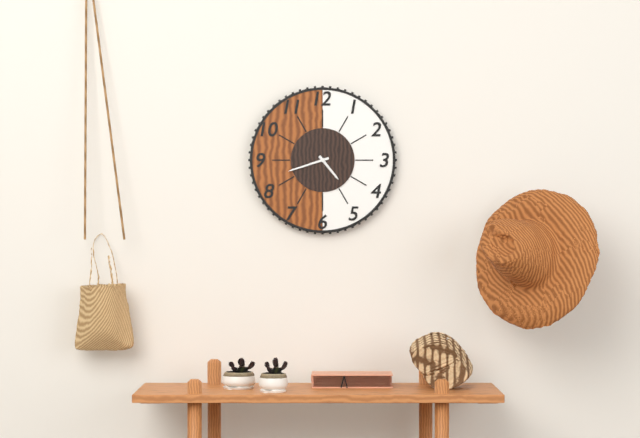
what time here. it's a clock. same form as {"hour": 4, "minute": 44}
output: {"hour": 4, "minute": 42}
